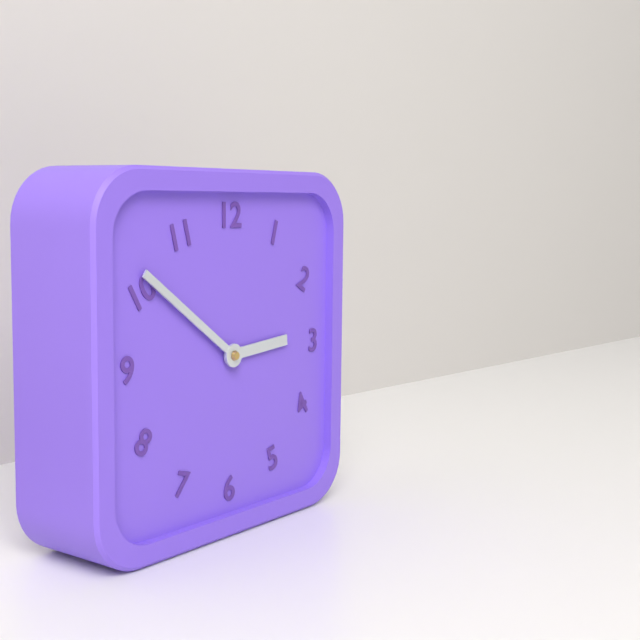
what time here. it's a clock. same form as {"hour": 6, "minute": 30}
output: {"hour": 2, "minute": 51}
